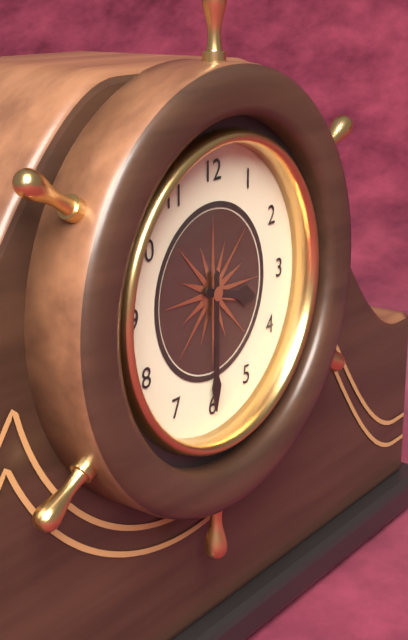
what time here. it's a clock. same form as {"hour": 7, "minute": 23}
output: {"hour": 3, "minute": 30}
